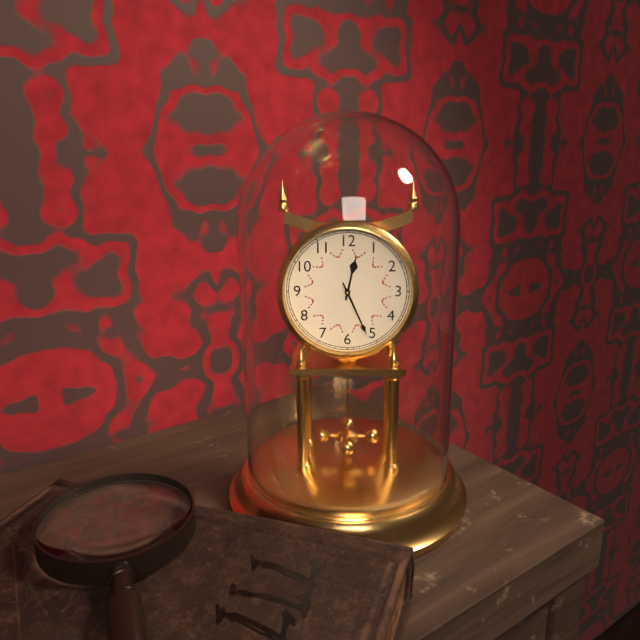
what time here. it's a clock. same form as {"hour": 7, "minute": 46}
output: {"hour": 12, "minute": 26}
